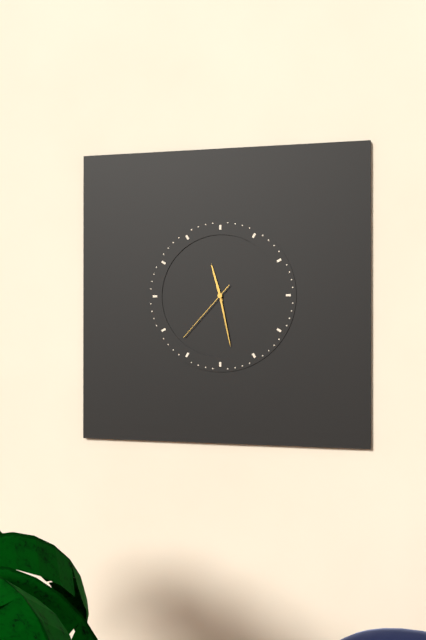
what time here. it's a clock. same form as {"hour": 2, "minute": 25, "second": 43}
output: {"hour": 11, "minute": 28, "second": 37}
